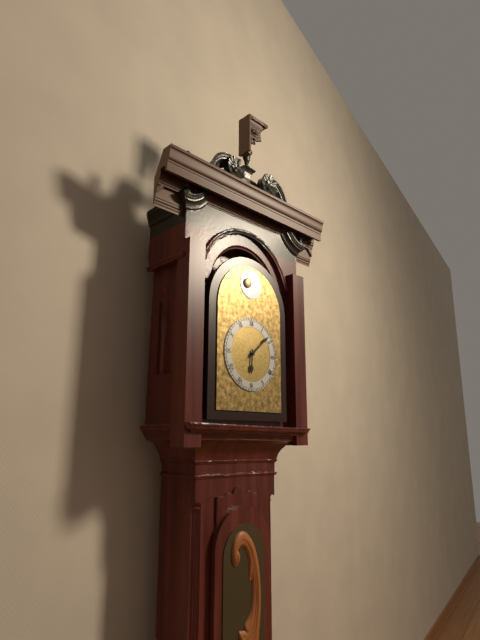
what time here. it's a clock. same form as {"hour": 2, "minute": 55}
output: {"hour": 6, "minute": 8}
